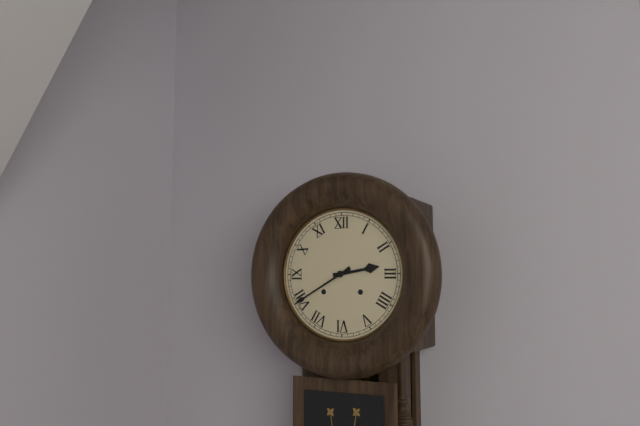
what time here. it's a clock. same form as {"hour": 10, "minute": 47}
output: {"hour": 2, "minute": 40}
